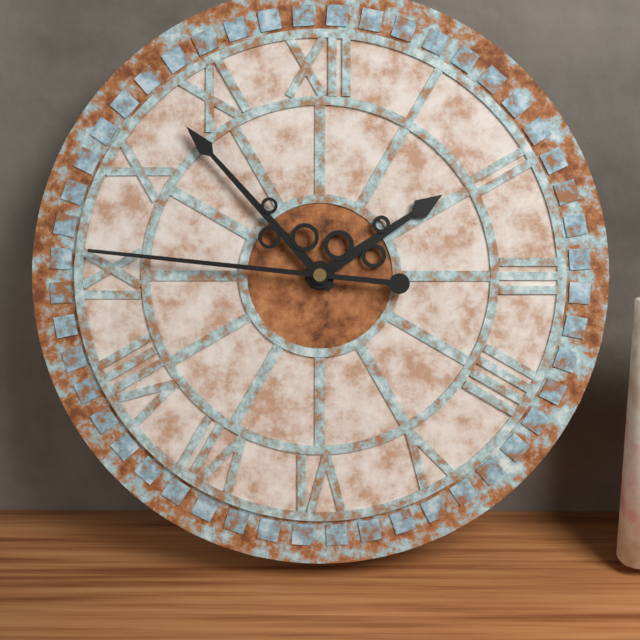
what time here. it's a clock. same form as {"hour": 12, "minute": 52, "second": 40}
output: {"hour": 1, "minute": 53, "second": 46}
